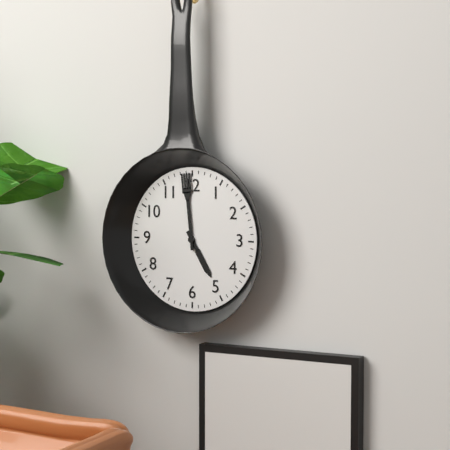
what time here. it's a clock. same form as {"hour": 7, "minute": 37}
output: {"hour": 4, "minute": 59}
